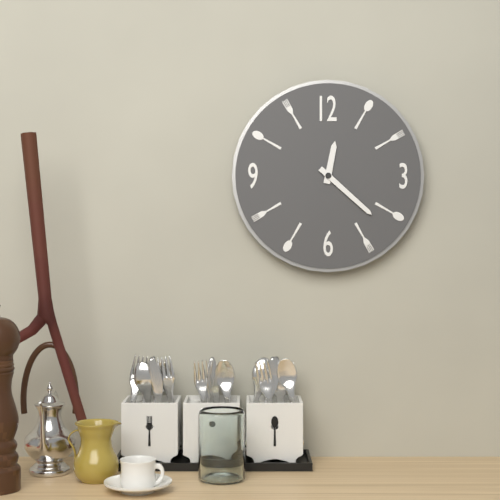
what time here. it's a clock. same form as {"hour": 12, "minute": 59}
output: {"hour": 12, "minute": 22}
